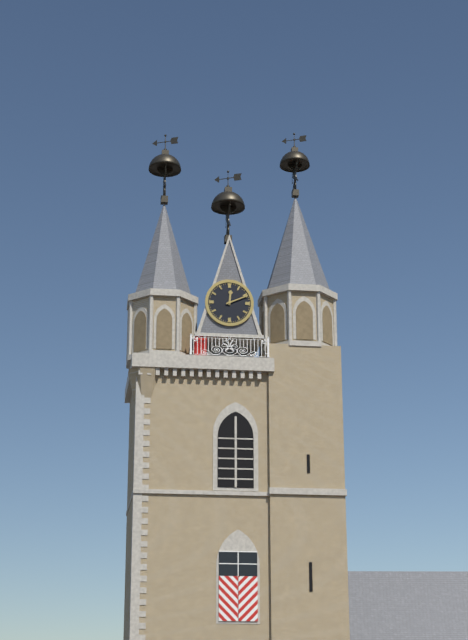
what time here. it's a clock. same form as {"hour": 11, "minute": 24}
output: {"hour": 12, "minute": 11}
